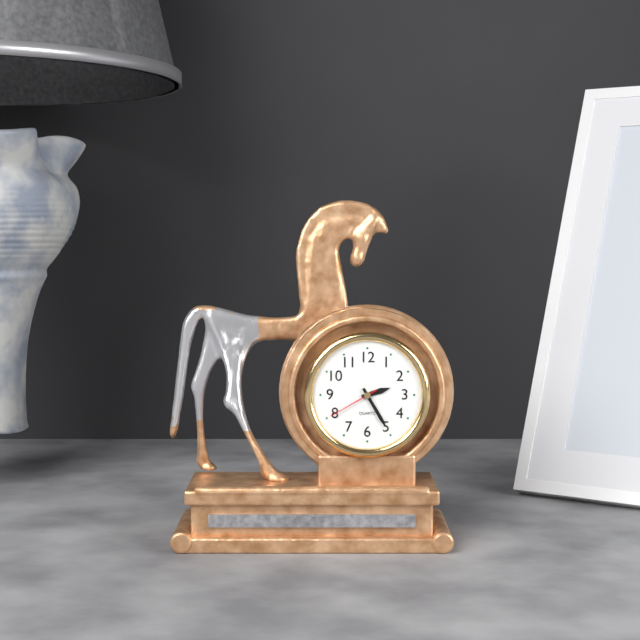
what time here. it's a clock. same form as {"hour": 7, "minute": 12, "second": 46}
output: {"hour": 2, "minute": 25, "second": 40}
